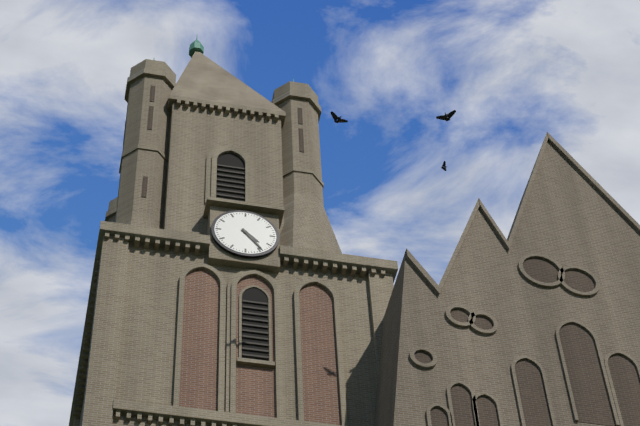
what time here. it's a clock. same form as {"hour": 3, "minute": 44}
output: {"hour": 4, "minute": 24}
